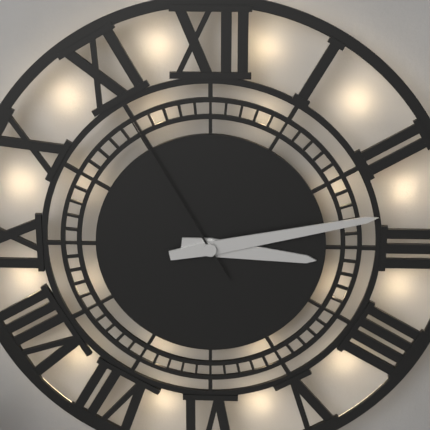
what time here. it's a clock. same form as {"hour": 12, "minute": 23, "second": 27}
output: {"hour": 3, "minute": 13, "second": 55}
